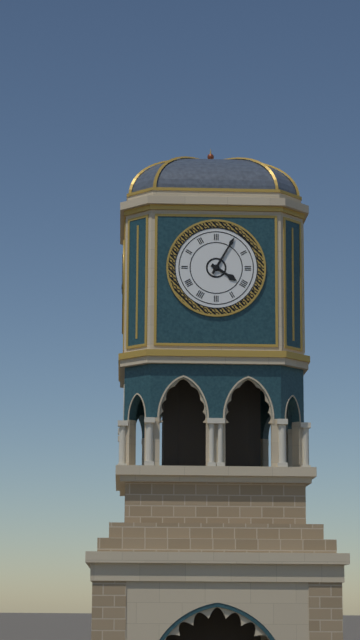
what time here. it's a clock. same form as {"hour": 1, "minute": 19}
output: {"hour": 4, "minute": 5}
